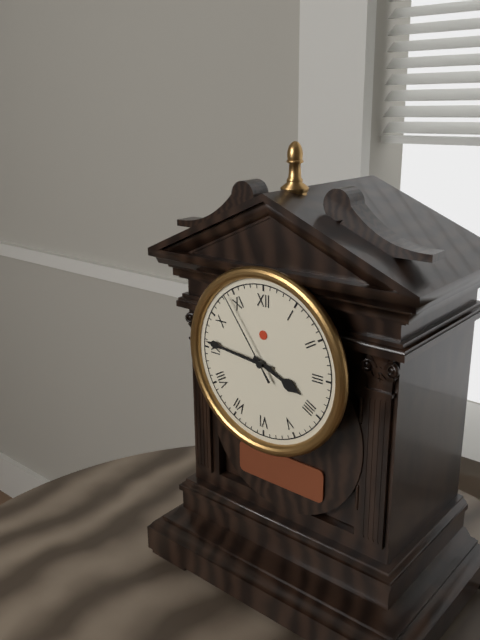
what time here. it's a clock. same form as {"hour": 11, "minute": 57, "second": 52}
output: {"hour": 3, "minute": 46, "second": 54}
